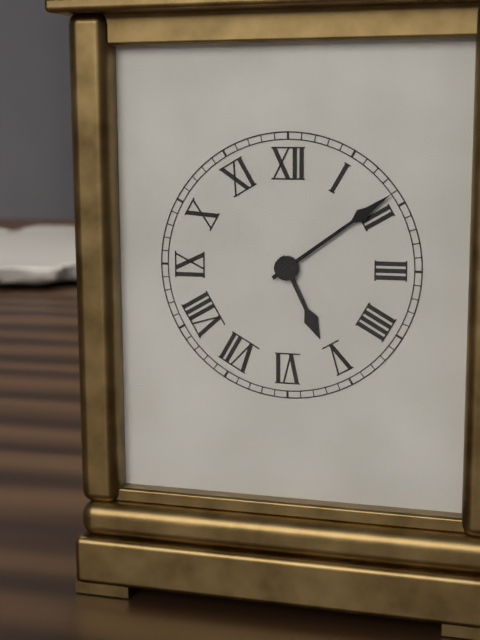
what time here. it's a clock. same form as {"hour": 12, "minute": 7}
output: {"hour": 5, "minute": 9}
